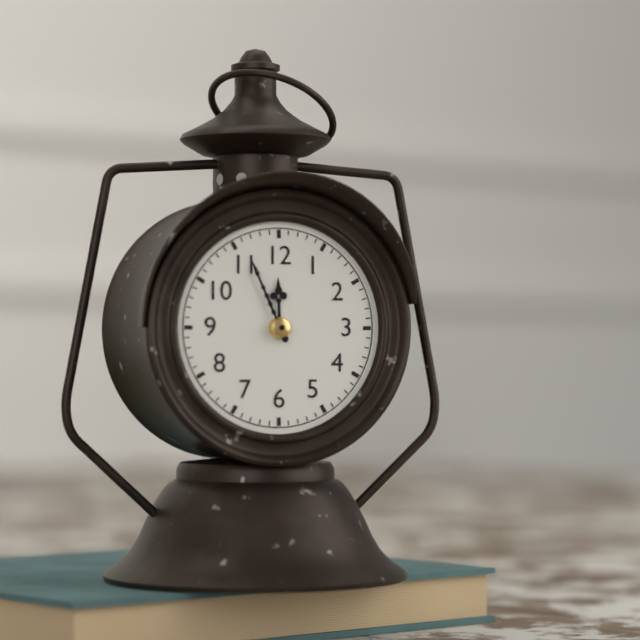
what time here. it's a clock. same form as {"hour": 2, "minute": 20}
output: {"hour": 11, "minute": 56}
